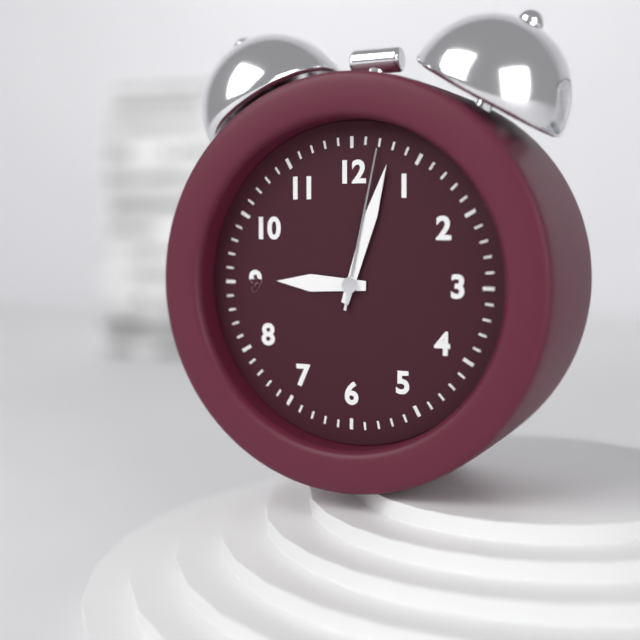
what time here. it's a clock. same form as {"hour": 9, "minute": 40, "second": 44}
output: {"hour": 9, "minute": 3, "second": 2}
